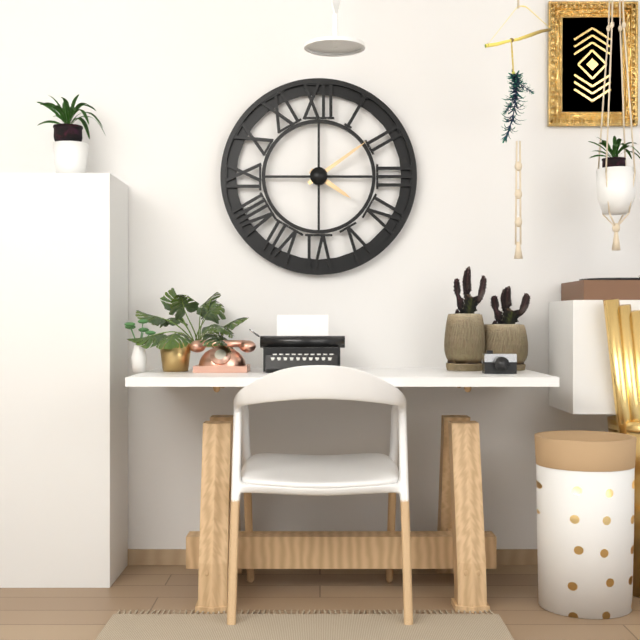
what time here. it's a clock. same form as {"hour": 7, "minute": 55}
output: {"hour": 4, "minute": 9}
